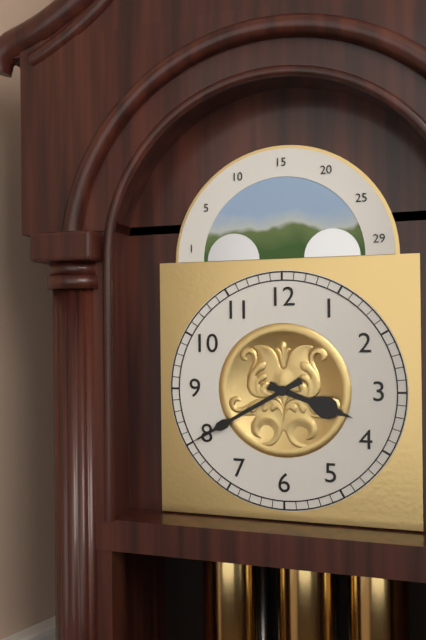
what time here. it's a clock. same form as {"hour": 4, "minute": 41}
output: {"hour": 3, "minute": 40}
